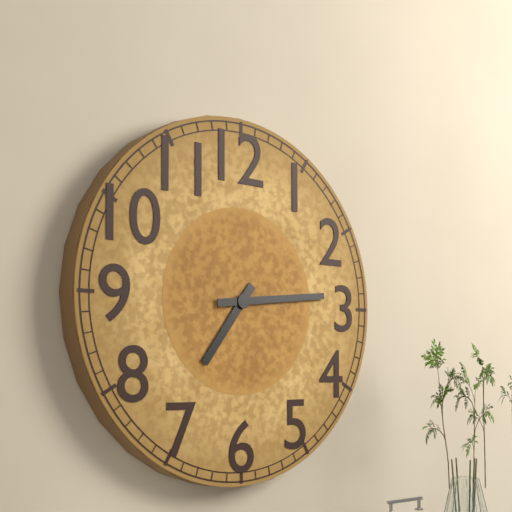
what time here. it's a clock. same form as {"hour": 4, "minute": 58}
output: {"hour": 7, "minute": 14}
